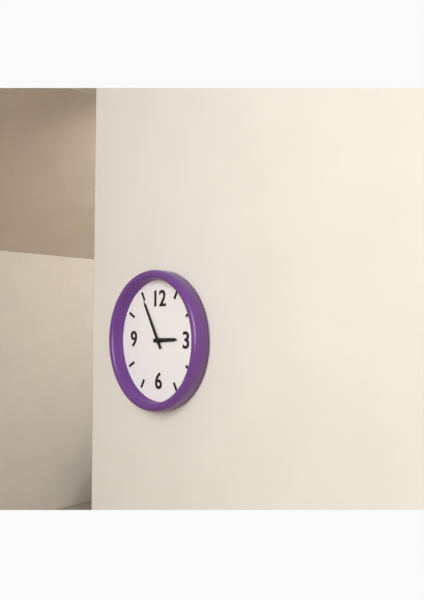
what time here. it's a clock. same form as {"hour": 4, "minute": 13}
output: {"hour": 2, "minute": 55}
